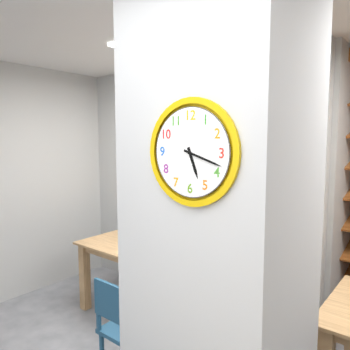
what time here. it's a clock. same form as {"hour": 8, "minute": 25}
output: {"hour": 5, "minute": 18}
